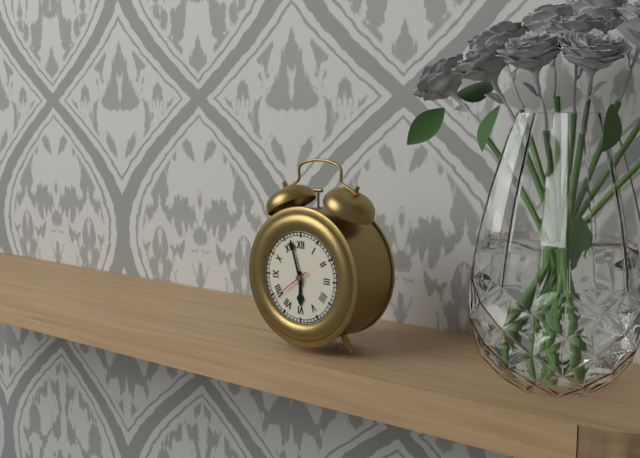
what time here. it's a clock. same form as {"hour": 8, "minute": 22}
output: {"hour": 5, "minute": 57}
